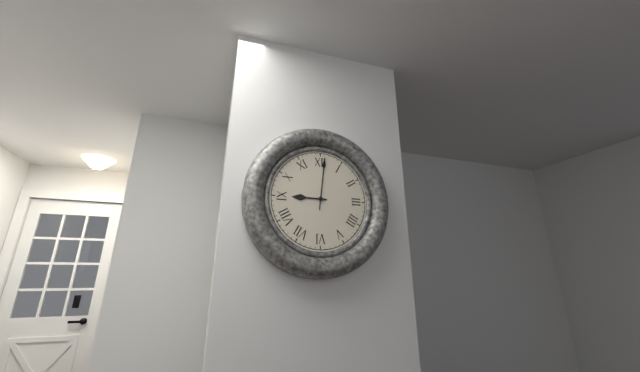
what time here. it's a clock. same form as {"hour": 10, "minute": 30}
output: {"hour": 9, "minute": 1}
